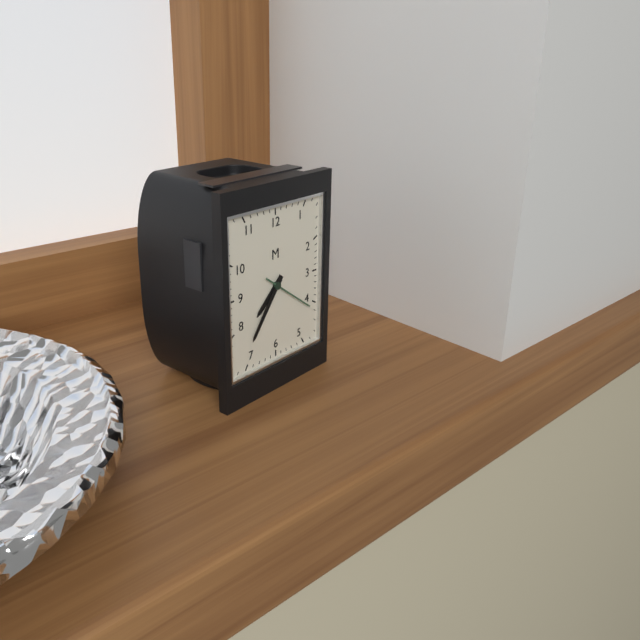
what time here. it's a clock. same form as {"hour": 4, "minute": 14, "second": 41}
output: {"hour": 7, "minute": 36, "second": 21}
